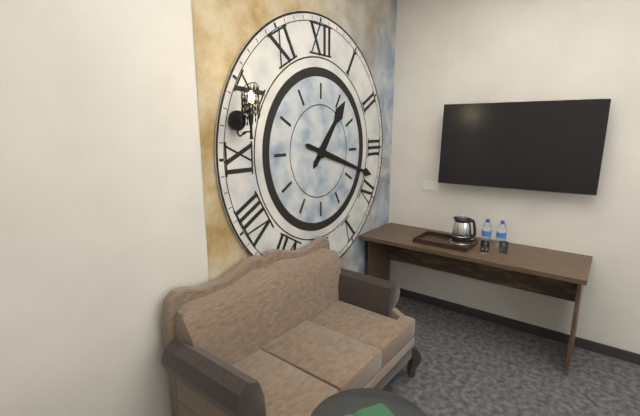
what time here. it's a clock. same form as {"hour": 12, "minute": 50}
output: {"hour": 1, "minute": 18}
